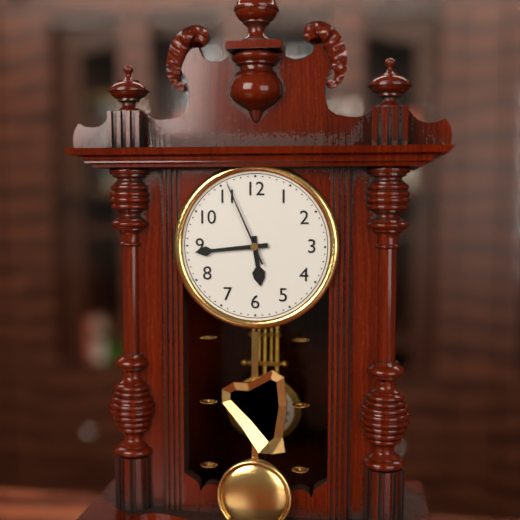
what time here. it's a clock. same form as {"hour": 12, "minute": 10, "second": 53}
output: {"hour": 5, "minute": 44, "second": 56}
